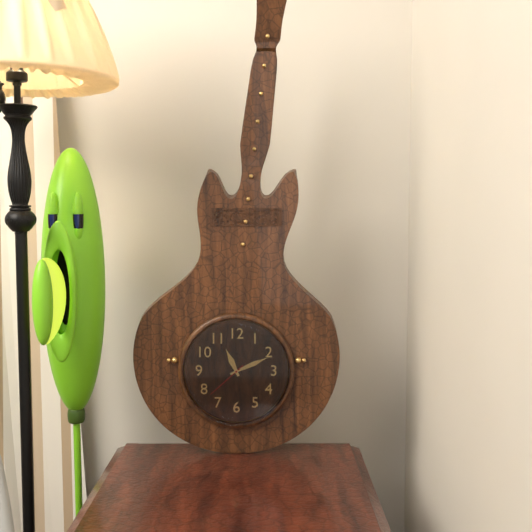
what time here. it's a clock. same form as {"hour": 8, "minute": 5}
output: {"hour": 11, "minute": 11}
